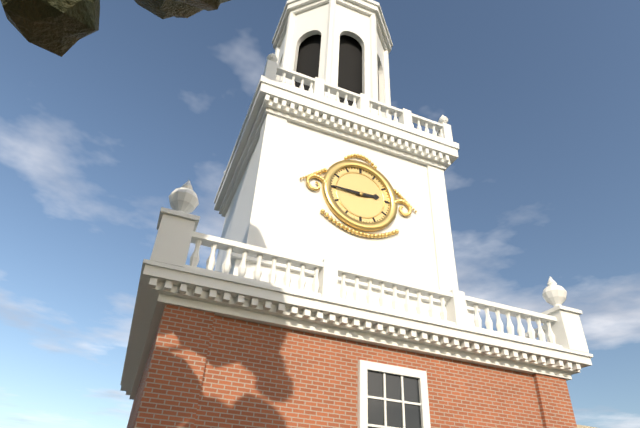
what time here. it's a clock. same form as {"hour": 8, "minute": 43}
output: {"hour": 2, "minute": 45}
